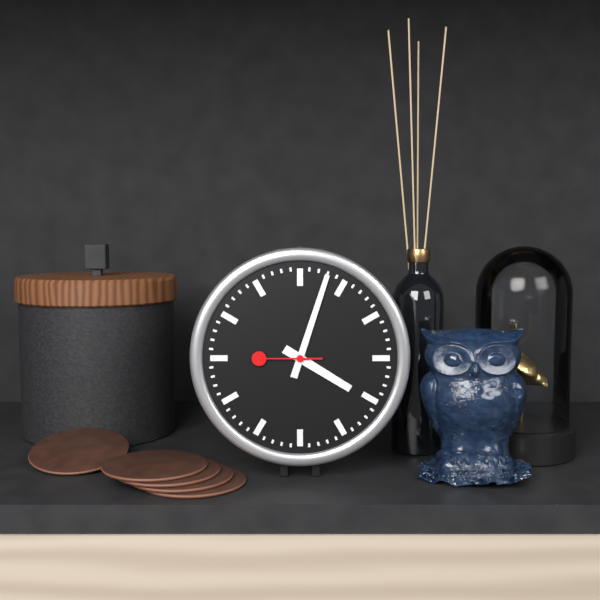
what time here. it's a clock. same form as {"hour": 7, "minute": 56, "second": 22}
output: {"hour": 4, "minute": 3, "second": 45}
